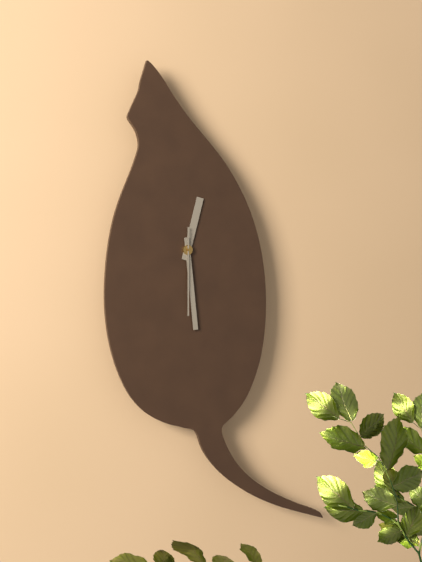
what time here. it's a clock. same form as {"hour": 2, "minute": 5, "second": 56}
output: {"hour": 12, "minute": 29, "second": 30}
